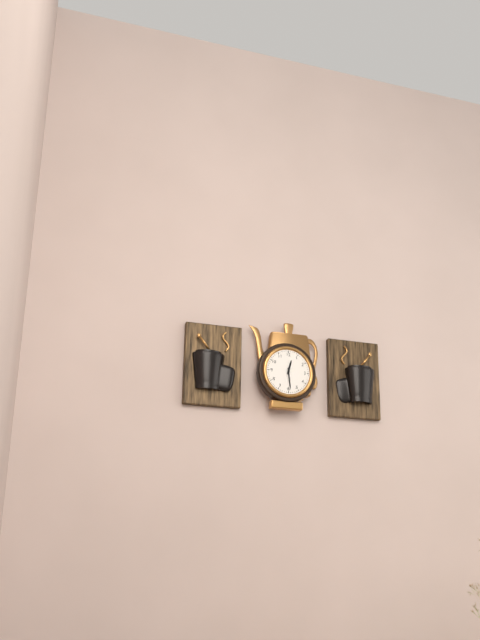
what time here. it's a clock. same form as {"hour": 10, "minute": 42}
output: {"hour": 12, "minute": 29}
